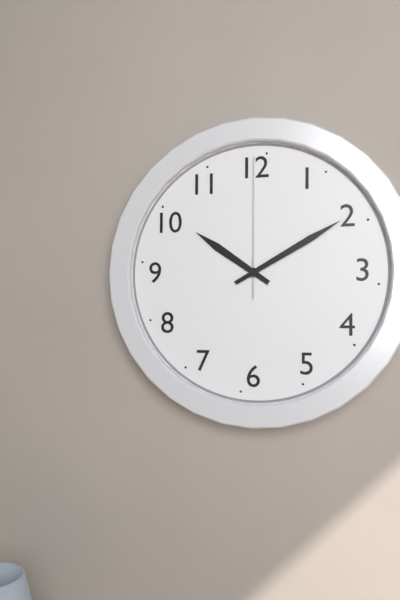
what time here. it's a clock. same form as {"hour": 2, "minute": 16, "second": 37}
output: {"hour": 10, "minute": 10, "second": 0}
